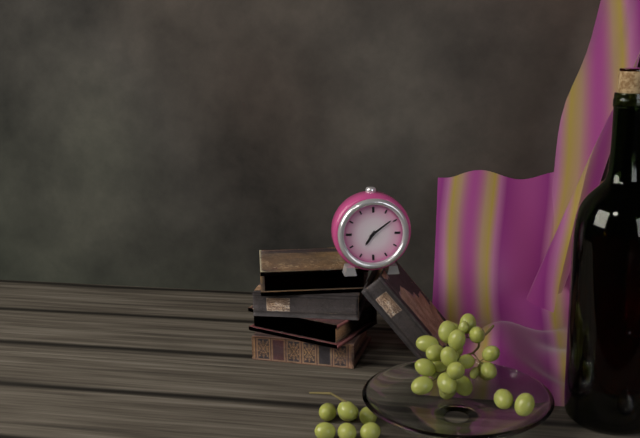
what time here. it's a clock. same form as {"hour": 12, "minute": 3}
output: {"hour": 7, "minute": 9}
